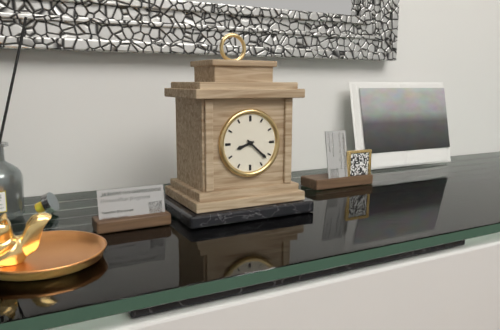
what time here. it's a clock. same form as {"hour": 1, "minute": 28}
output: {"hour": 8, "minute": 22}
